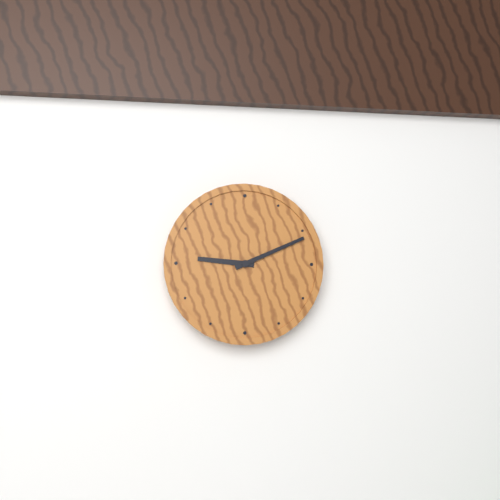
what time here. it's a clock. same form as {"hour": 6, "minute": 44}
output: {"hour": 9, "minute": 11}
